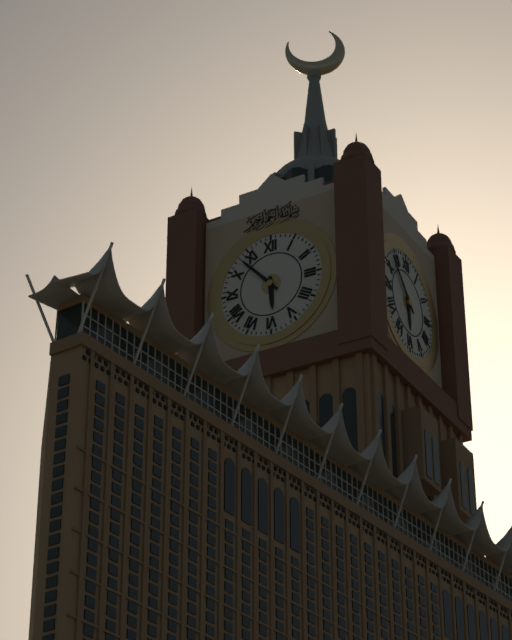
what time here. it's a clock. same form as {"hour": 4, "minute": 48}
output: {"hour": 5, "minute": 53}
